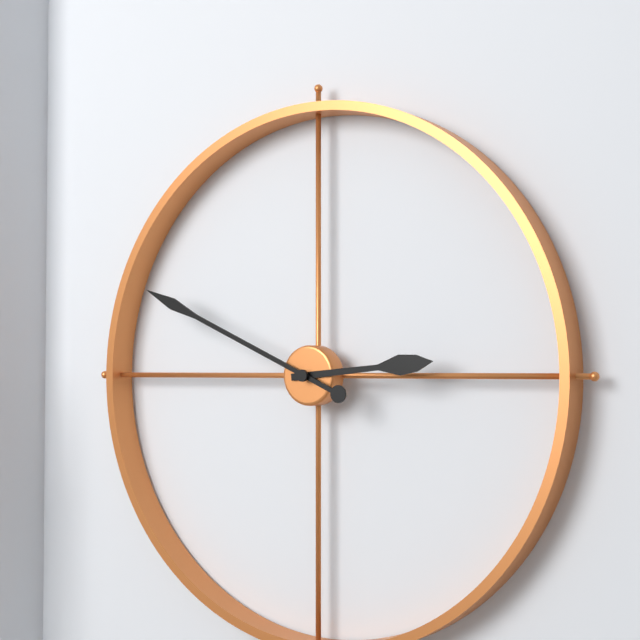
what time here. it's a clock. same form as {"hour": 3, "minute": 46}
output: {"hour": 2, "minute": 49}
